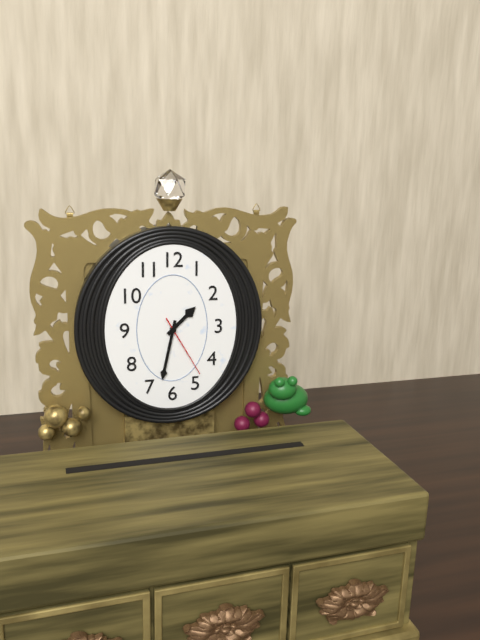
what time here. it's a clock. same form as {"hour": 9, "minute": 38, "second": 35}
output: {"hour": 1, "minute": 32, "second": 25}
